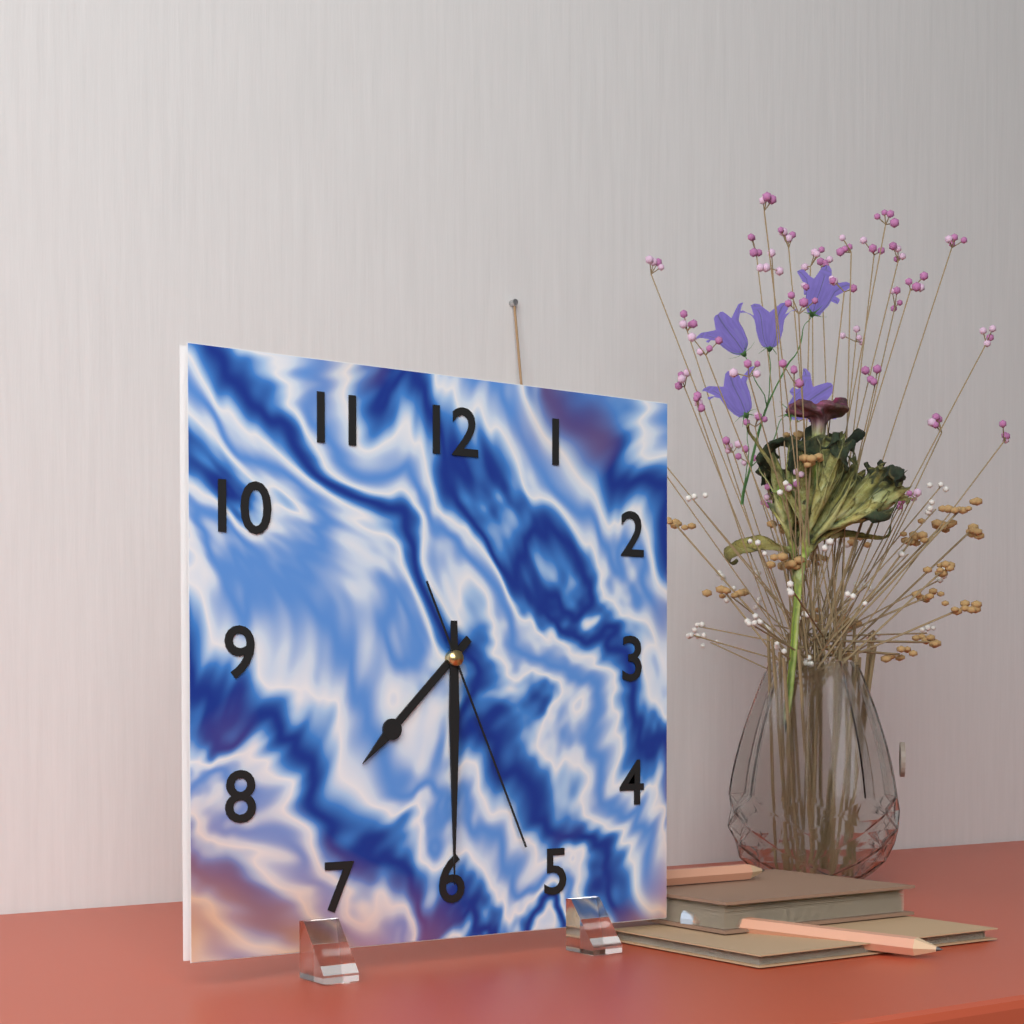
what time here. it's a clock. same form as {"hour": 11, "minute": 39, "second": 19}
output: {"hour": 7, "minute": 30, "second": 26}
